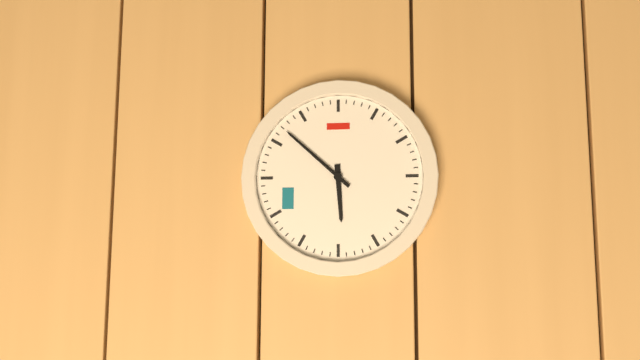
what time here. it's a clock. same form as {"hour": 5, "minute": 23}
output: {"hour": 5, "minute": 52}
